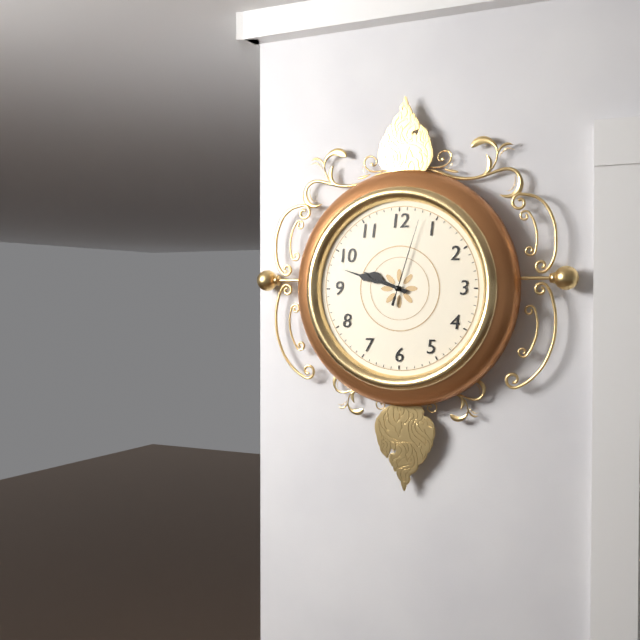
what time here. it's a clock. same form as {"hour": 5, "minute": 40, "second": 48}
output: {"hour": 9, "minute": 48, "second": 3}
